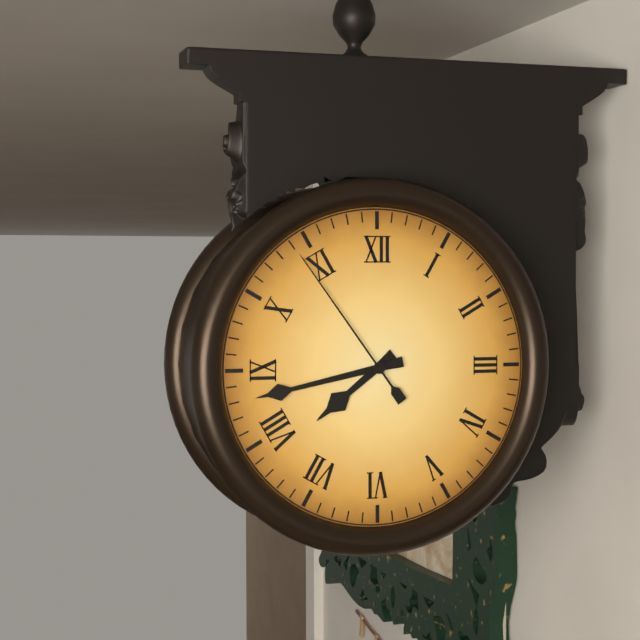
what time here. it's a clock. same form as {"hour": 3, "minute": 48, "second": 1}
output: {"hour": 7, "minute": 43, "second": 54}
